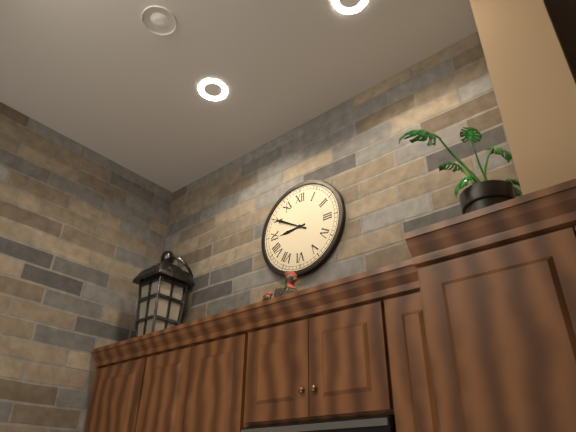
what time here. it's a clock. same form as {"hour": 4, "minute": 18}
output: {"hour": 8, "minute": 50}
